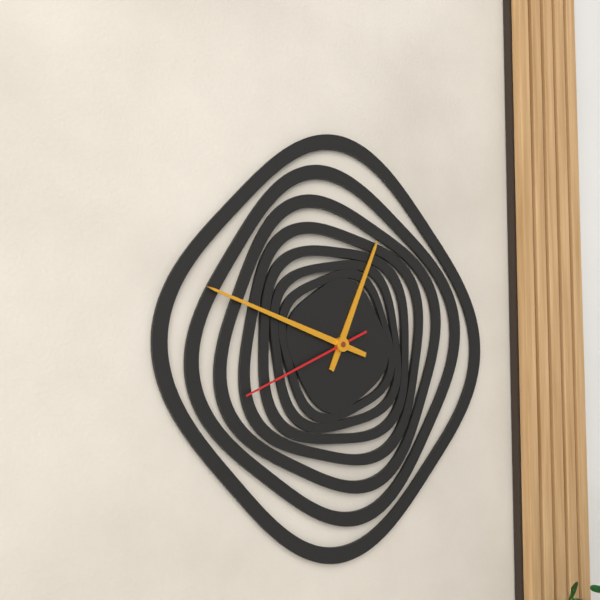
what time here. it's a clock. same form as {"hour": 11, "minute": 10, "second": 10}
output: {"hour": 12, "minute": 48, "second": 41}
